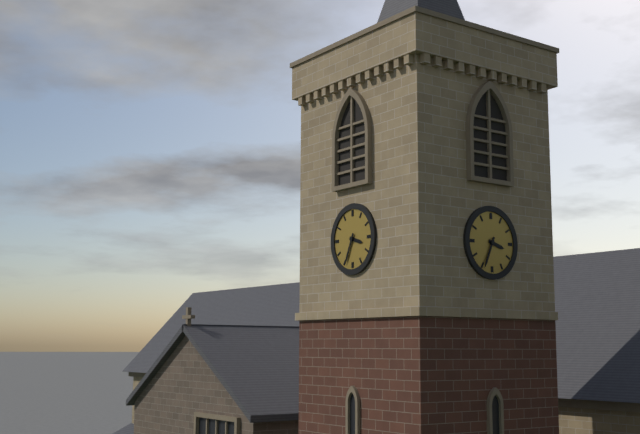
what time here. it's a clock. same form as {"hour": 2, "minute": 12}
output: {"hour": 3, "minute": 34}
